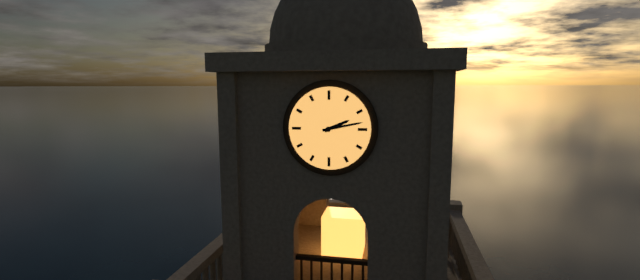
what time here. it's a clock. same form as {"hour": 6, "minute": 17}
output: {"hour": 2, "minute": 13}
